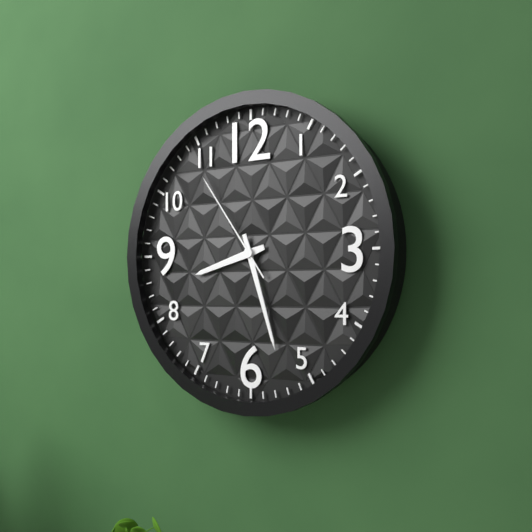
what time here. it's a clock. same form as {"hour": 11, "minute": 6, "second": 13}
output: {"hour": 8, "minute": 27, "second": 54}
